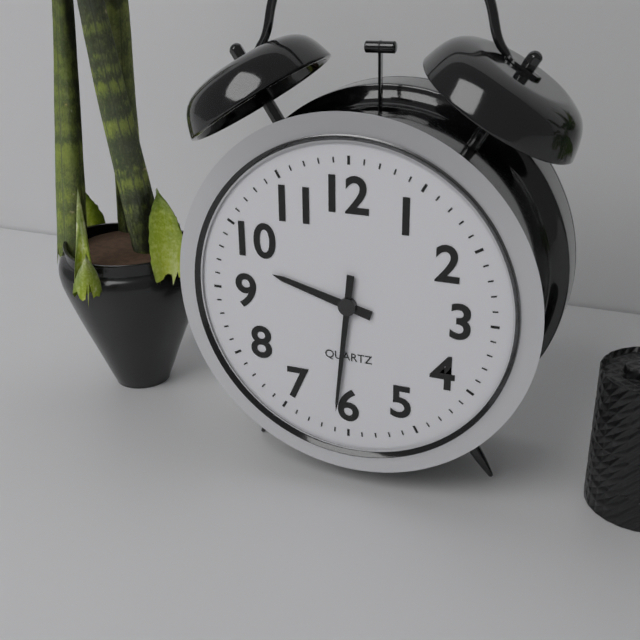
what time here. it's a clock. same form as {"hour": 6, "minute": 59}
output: {"hour": 9, "minute": 31}
